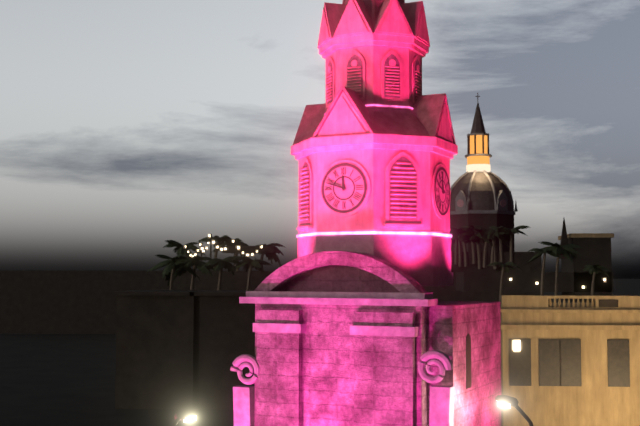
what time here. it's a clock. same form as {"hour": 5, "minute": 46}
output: {"hour": 11, "minute": 48}
